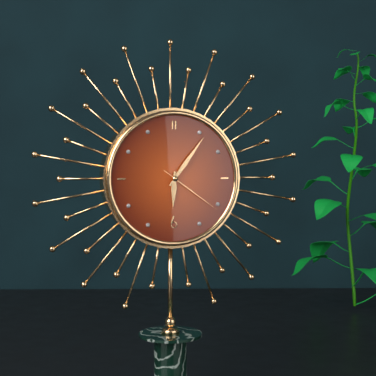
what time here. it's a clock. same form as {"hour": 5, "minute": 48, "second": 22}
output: {"hour": 6, "minute": 6, "second": 21}
